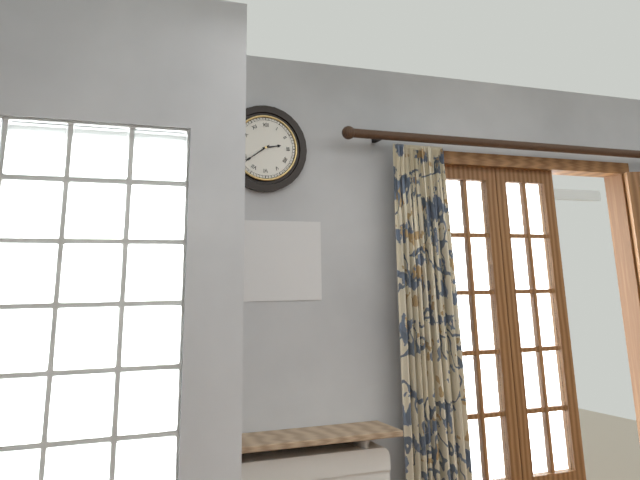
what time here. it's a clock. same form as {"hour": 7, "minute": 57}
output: {"hour": 2, "minute": 39}
